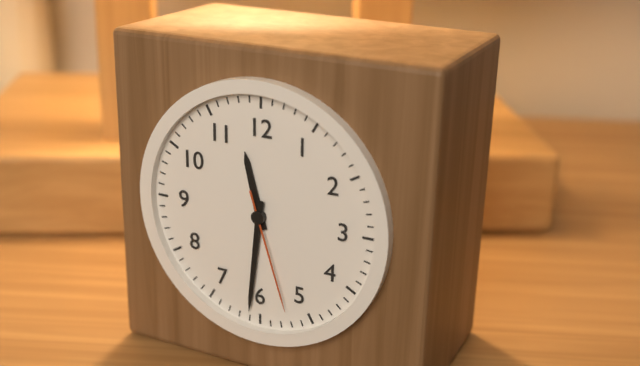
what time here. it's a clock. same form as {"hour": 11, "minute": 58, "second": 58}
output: {"hour": 11, "minute": 31, "second": 27}
